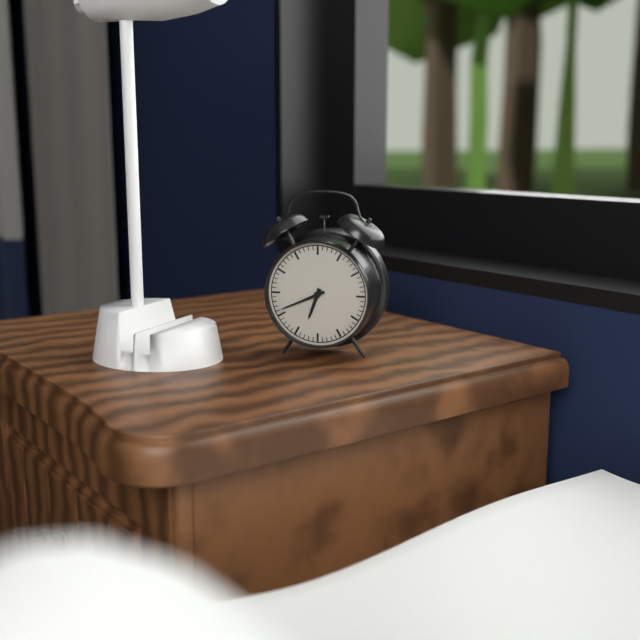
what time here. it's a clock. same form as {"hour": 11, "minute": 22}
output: {"hour": 6, "minute": 41}
